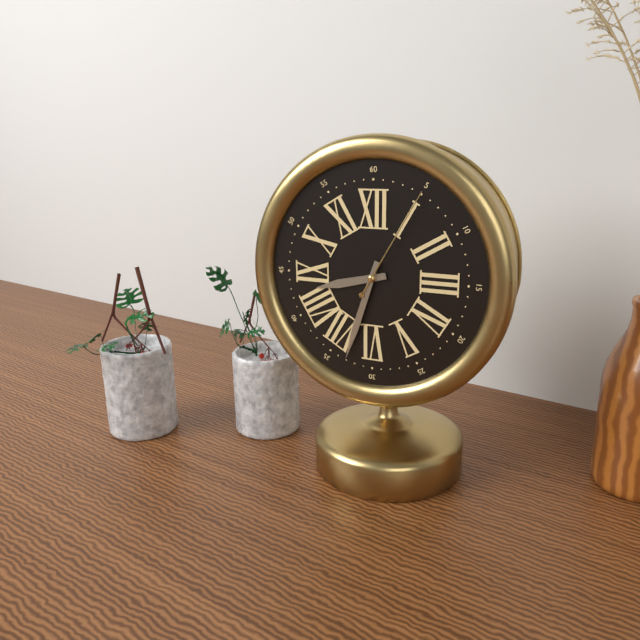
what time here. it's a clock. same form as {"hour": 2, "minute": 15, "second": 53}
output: {"hour": 8, "minute": 33, "second": 5}
